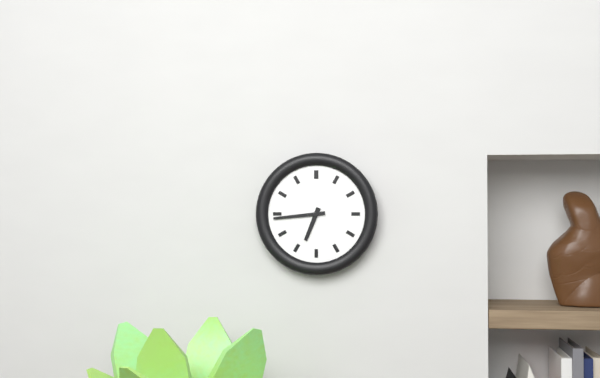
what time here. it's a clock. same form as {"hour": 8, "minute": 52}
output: {"hour": 6, "minute": 44}
